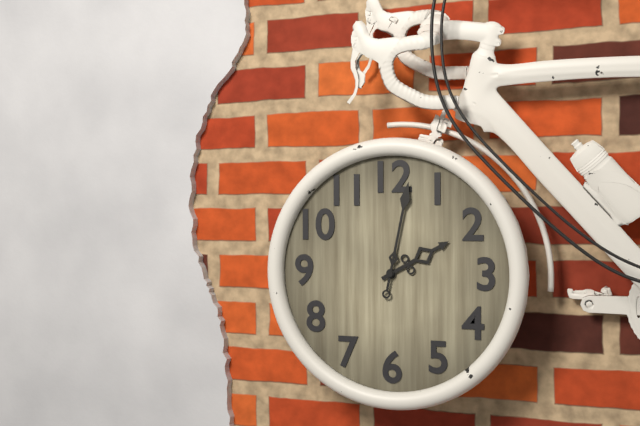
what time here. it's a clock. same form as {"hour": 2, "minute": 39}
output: {"hour": 2, "minute": 2}
